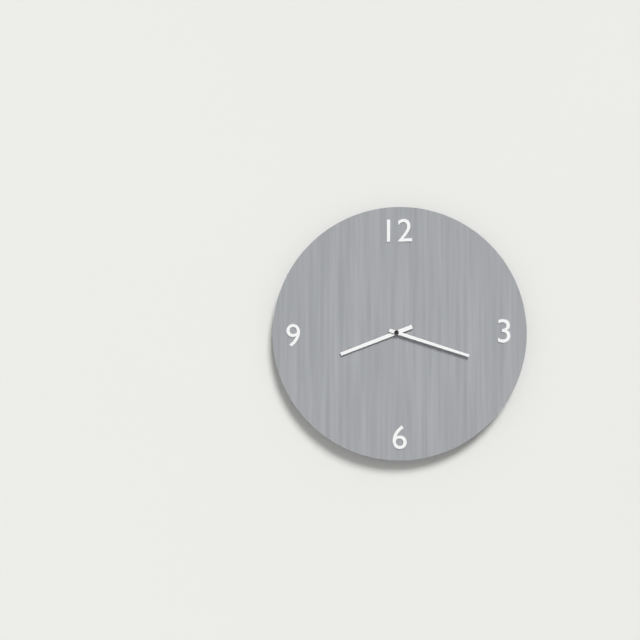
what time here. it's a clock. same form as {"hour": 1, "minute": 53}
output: {"hour": 8, "minute": 18}
